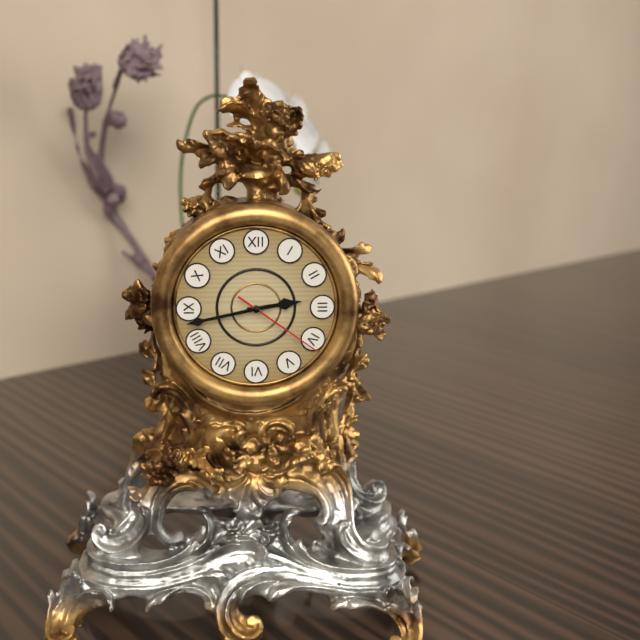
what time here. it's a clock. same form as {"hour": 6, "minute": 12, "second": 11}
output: {"hour": 2, "minute": 43, "second": 21}
